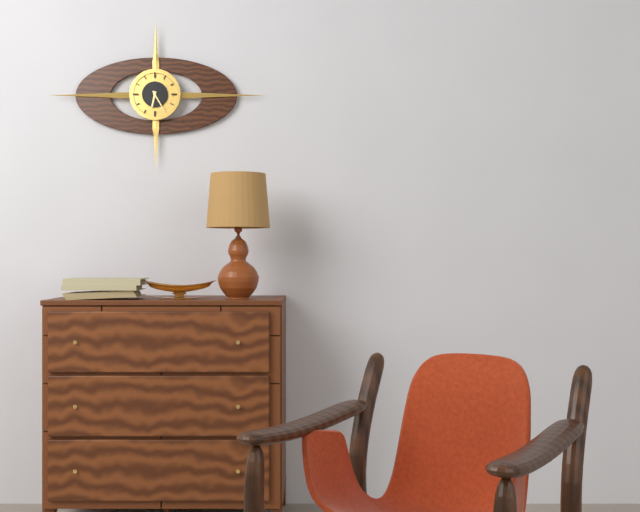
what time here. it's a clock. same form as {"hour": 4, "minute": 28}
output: {"hour": 6, "minute": 25}
